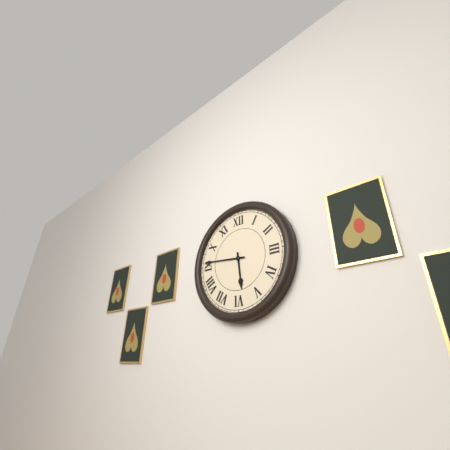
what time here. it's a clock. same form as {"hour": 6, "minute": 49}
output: {"hour": 5, "minute": 46}
